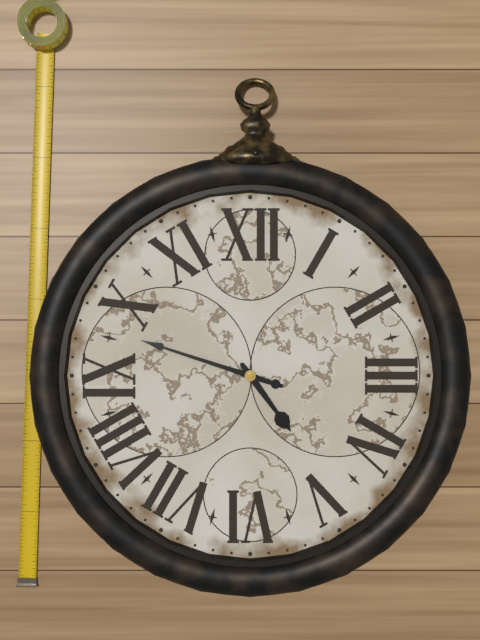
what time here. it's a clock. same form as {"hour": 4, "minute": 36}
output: {"hour": 4, "minute": 48}
